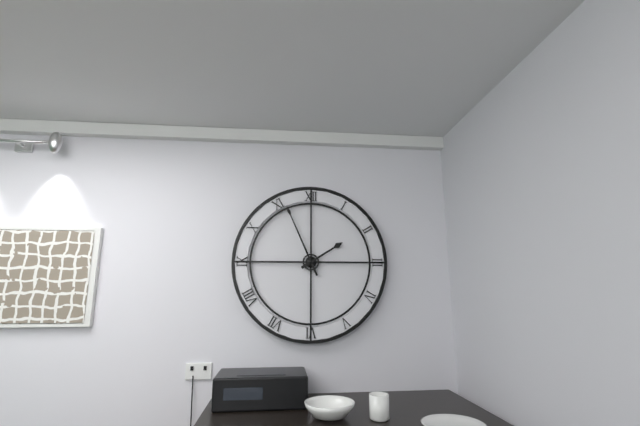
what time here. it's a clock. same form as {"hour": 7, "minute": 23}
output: {"hour": 1, "minute": 56}
